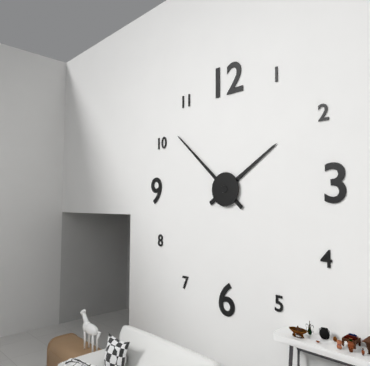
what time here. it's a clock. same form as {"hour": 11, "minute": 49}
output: {"hour": 1, "minute": 52}
